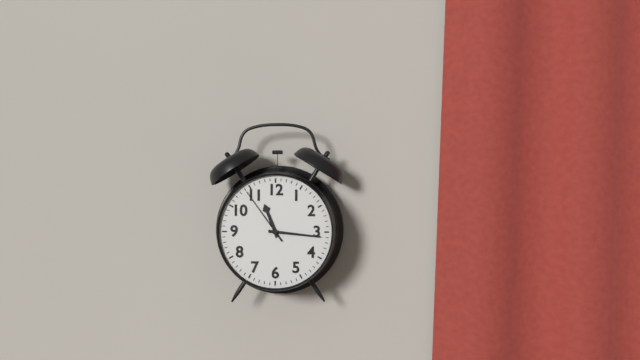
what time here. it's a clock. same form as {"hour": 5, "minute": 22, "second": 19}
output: {"hour": 11, "minute": 16, "second": 54}
